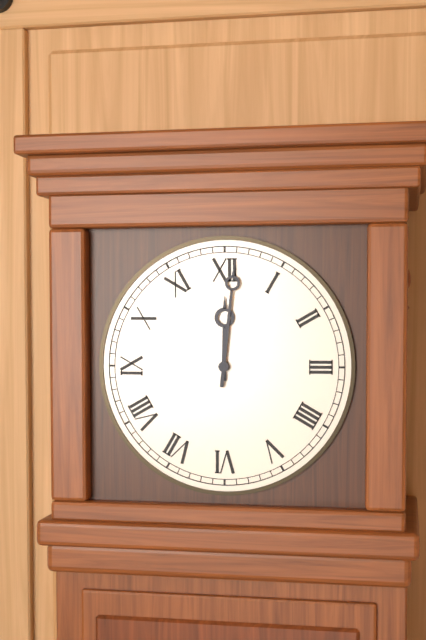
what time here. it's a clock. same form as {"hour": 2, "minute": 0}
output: {"hour": 12, "minute": 1}
